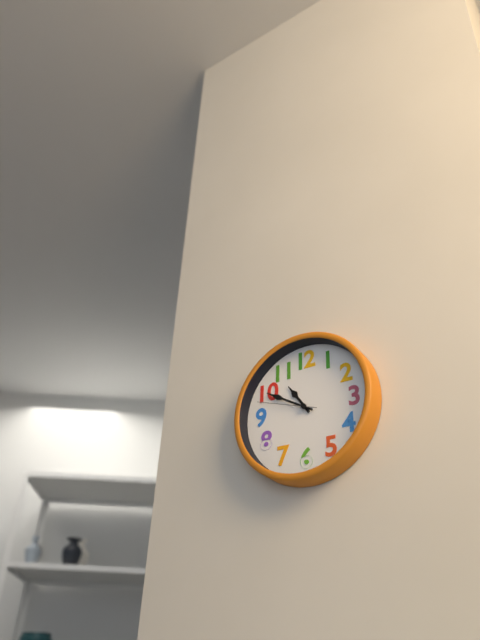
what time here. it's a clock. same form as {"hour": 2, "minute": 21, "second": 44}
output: {"hour": 10, "minute": 50, "second": 48}
